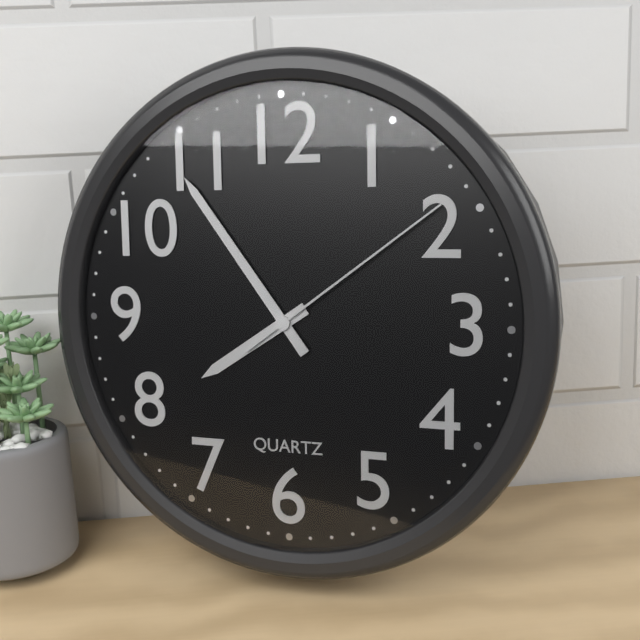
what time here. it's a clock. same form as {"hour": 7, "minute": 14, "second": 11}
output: {"hour": 7, "minute": 54, "second": 9}
